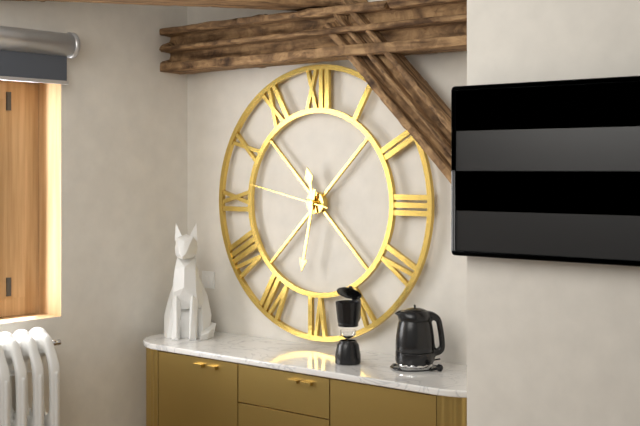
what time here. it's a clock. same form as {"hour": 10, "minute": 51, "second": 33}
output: {"hour": 11, "minute": 32, "second": 47}
